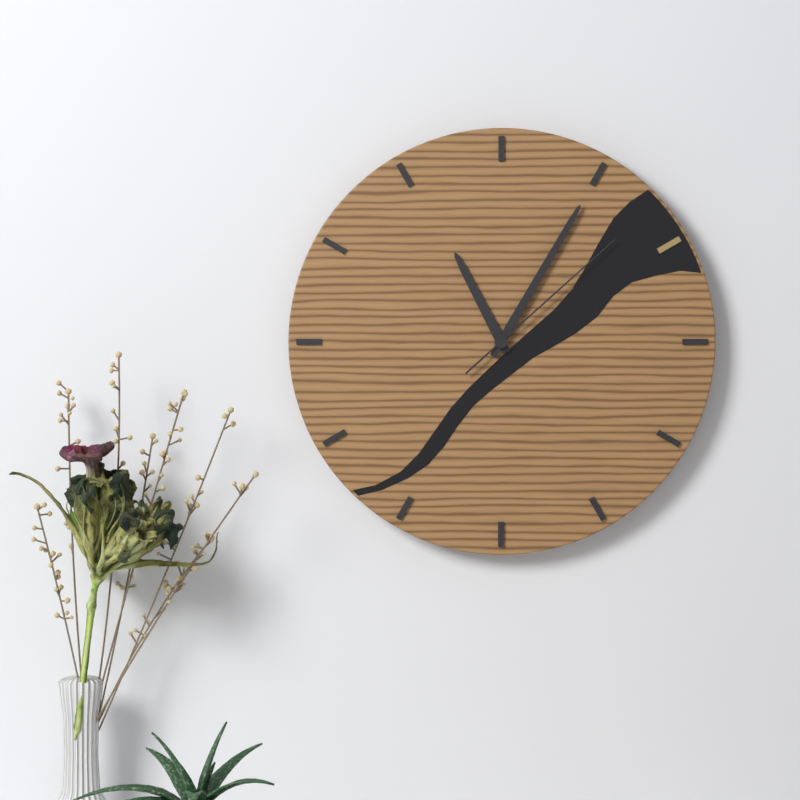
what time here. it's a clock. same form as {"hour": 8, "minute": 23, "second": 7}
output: {"hour": 11, "minute": 5, "second": 8}
